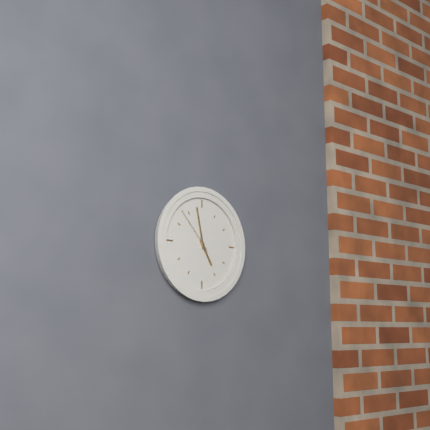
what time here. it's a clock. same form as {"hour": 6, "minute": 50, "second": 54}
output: {"hour": 4, "minute": 58, "second": 53}
